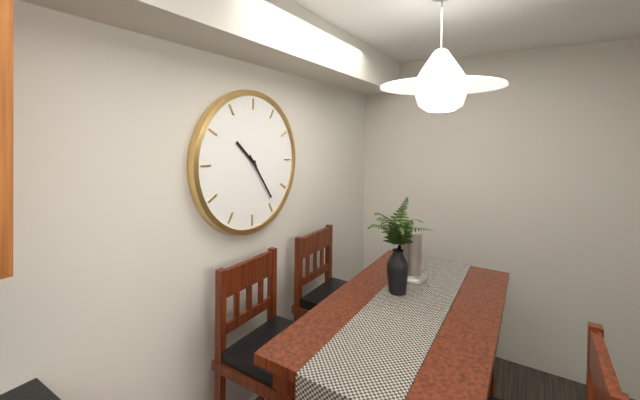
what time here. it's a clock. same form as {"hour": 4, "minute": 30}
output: {"hour": 10, "minute": 24}
